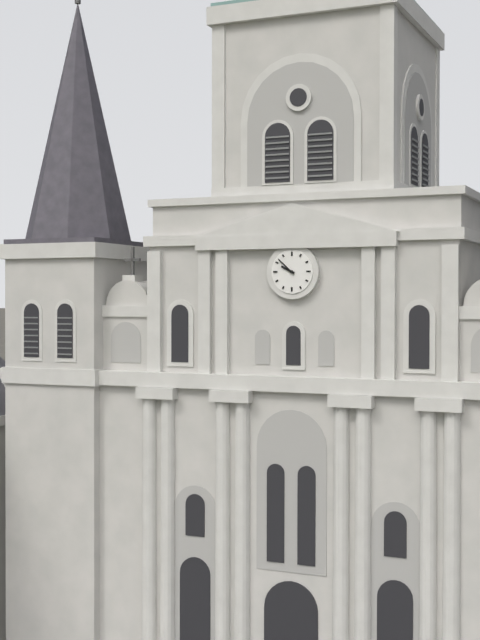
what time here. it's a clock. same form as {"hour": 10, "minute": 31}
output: {"hour": 9, "minute": 52}
